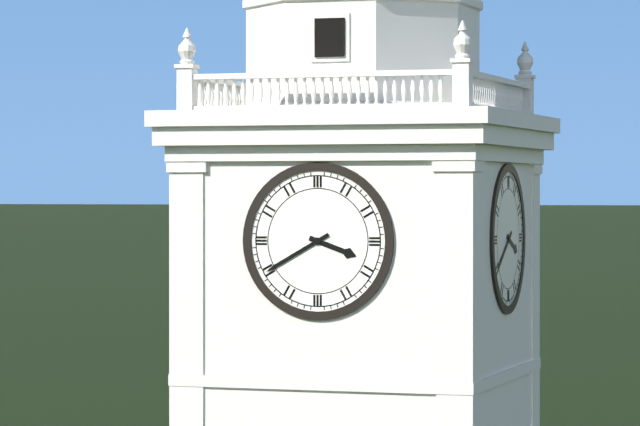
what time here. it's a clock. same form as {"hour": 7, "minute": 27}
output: {"hour": 3, "minute": 40}
